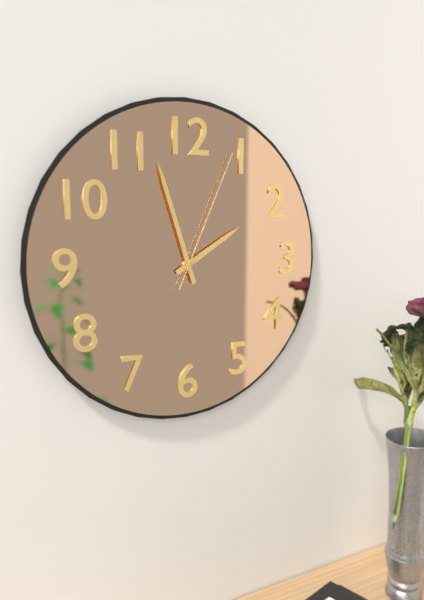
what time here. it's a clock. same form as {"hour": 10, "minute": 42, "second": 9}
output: {"hour": 1, "minute": 57, "second": 4}
